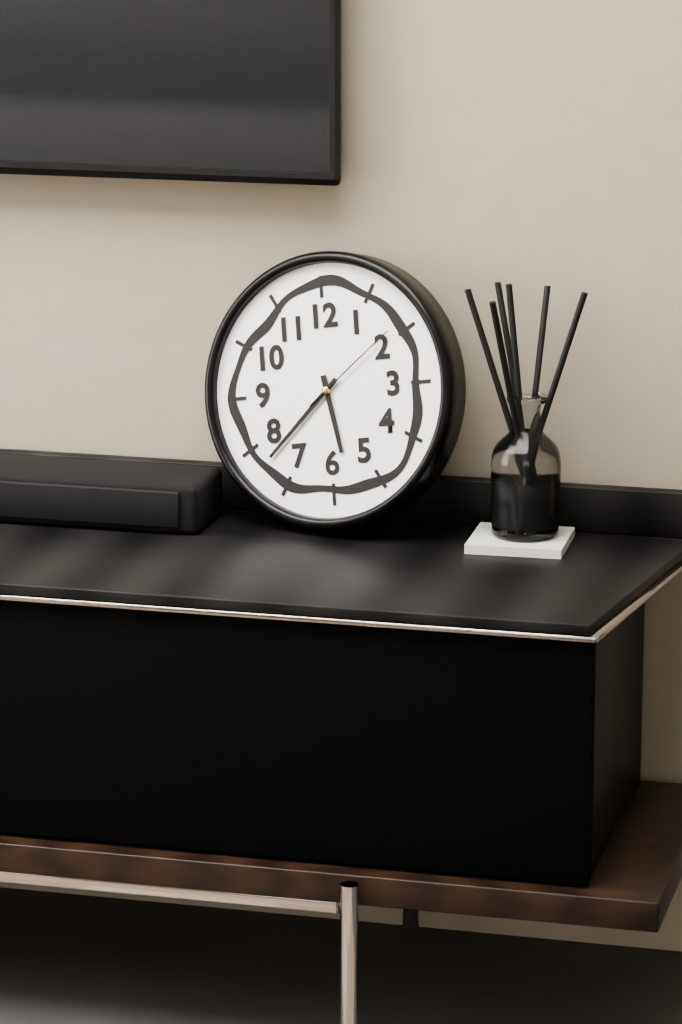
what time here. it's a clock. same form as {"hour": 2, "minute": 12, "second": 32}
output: {"hour": 5, "minute": 38, "second": 9}
